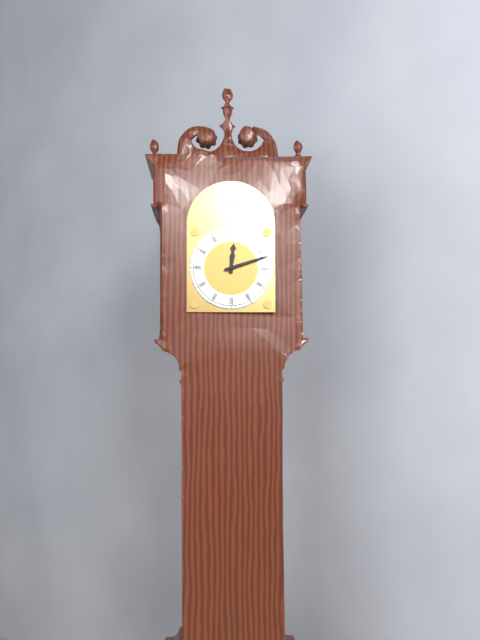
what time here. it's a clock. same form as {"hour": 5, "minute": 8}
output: {"hour": 12, "minute": 12}
